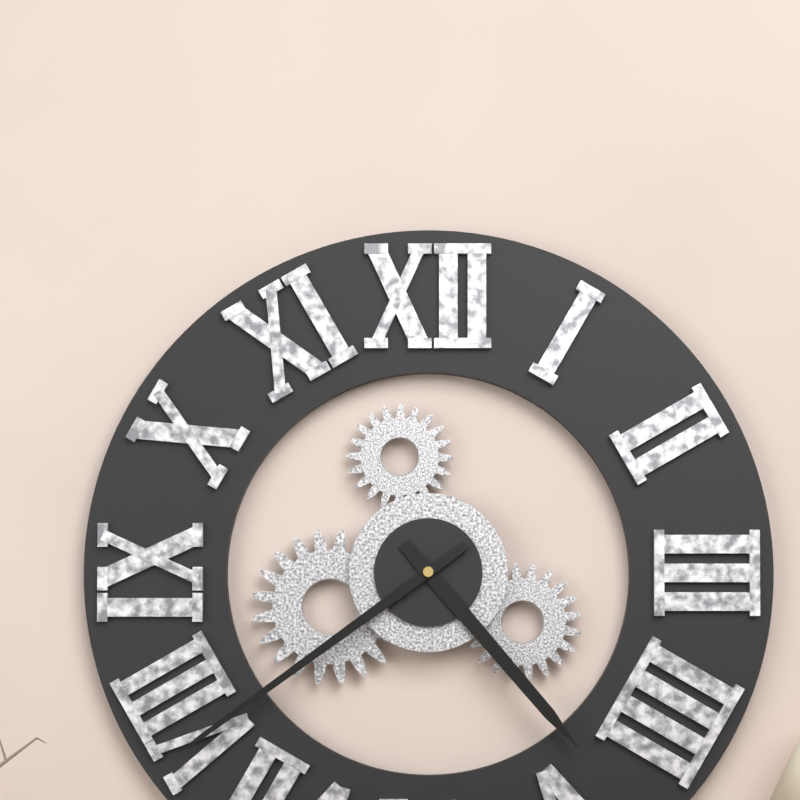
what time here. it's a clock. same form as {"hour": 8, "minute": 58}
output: {"hour": 4, "minute": 39}
